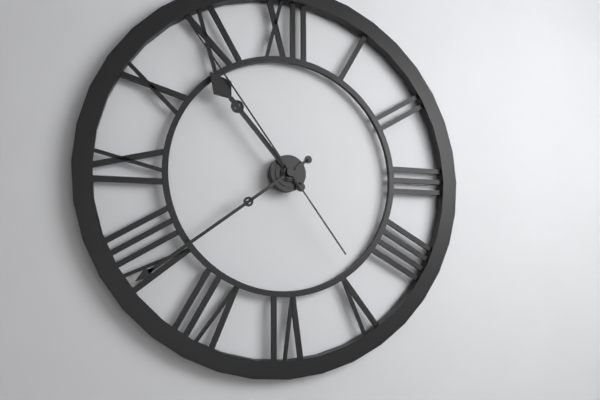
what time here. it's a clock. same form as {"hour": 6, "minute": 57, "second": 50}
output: {"hour": 10, "minute": 39, "second": 54}
